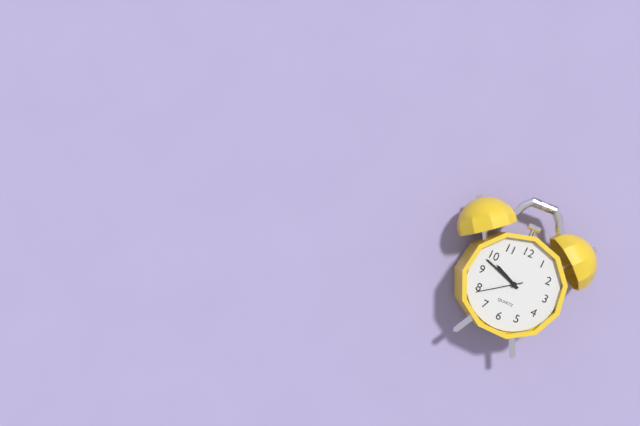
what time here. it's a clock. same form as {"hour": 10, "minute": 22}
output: {"hour": 9, "minute": 48}
